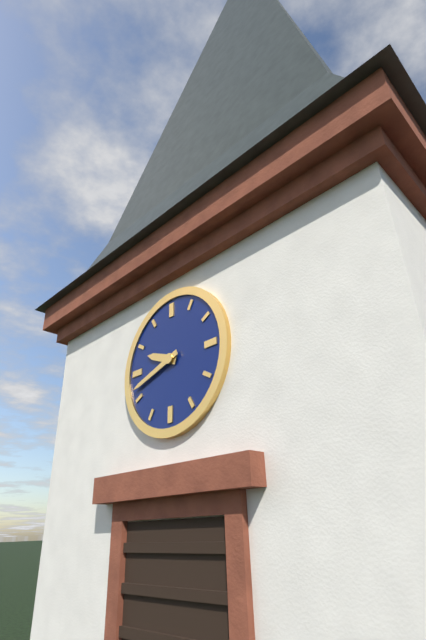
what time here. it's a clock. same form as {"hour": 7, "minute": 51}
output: {"hour": 9, "minute": 42}
